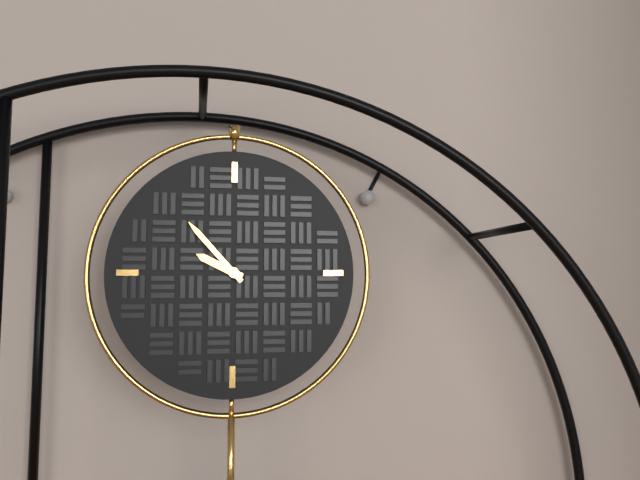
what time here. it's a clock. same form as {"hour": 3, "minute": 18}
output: {"hour": 9, "minute": 53}
